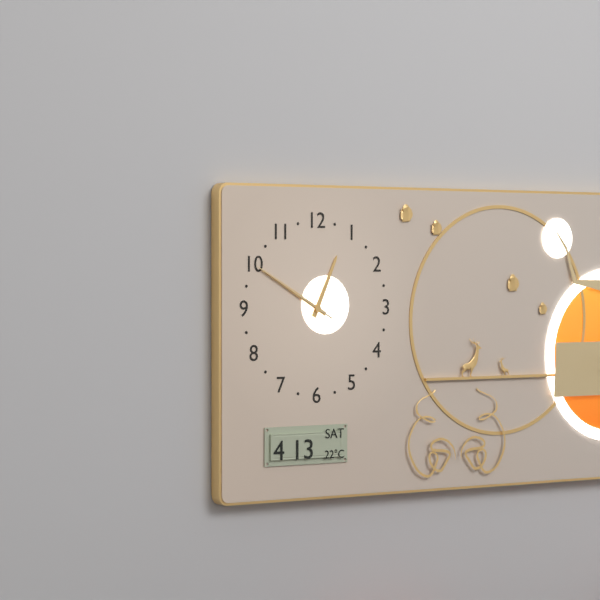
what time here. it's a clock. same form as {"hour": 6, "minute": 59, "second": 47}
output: {"hour": 12, "minute": 50, "second": 50}
